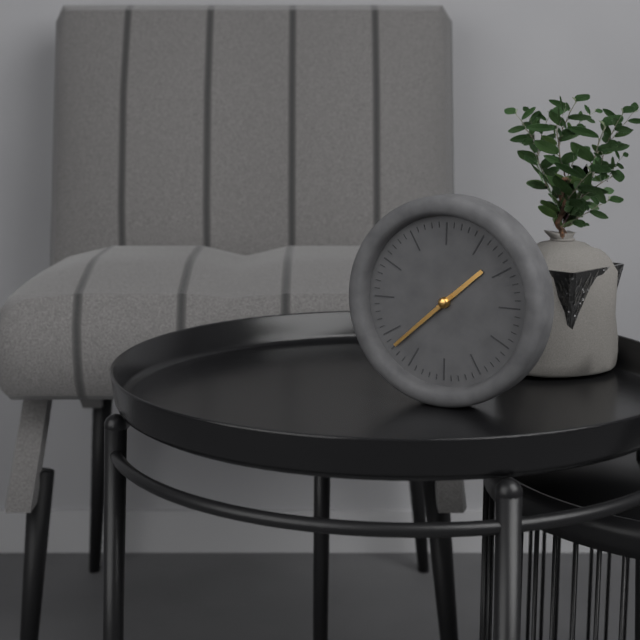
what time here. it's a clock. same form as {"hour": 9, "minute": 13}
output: {"hour": 1, "minute": 38}
